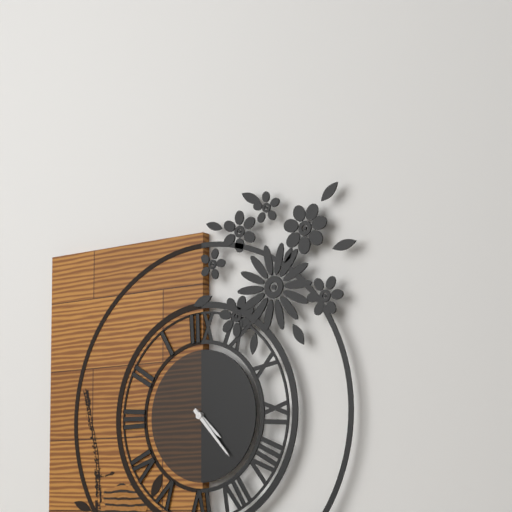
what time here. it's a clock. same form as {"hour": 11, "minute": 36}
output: {"hour": 4, "minute": 23}
